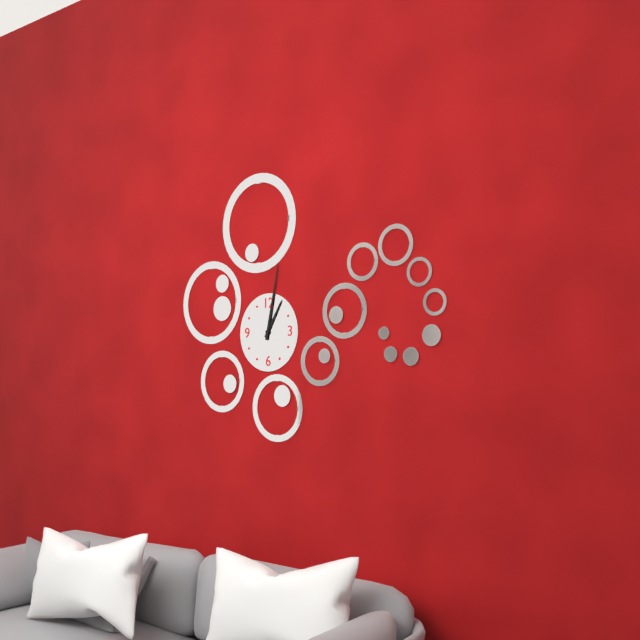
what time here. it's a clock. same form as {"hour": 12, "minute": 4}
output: {"hour": 1, "minute": 2}
